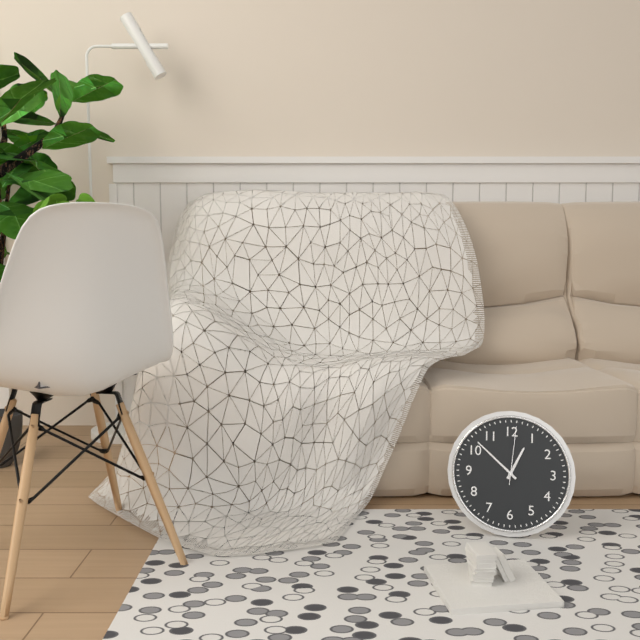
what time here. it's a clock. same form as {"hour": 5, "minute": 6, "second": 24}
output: {"hour": 12, "minute": 52, "second": 1}
